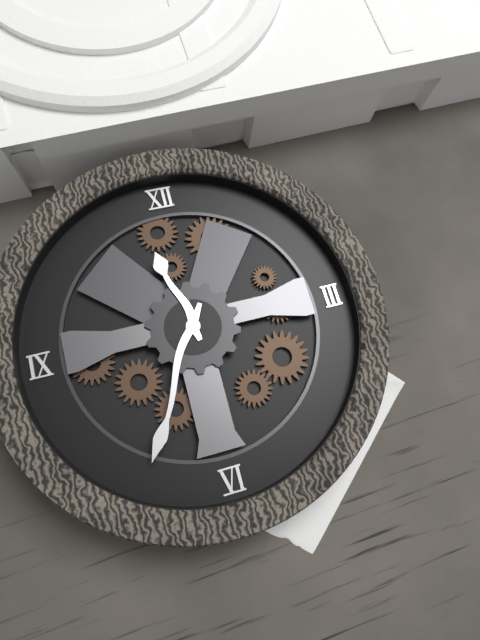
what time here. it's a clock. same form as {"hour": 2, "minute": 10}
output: {"hour": 11, "minute": 35}
